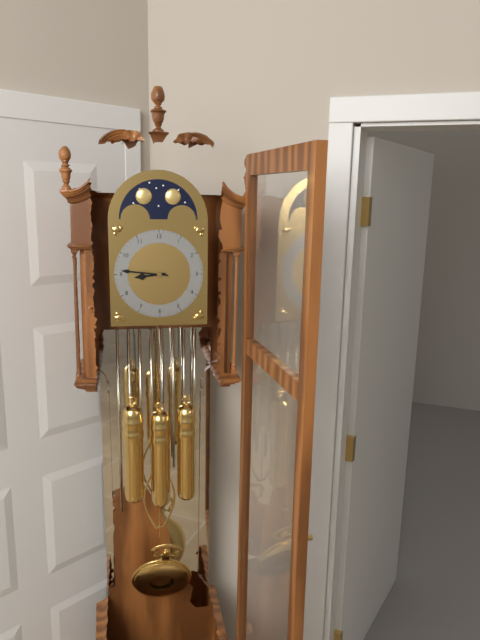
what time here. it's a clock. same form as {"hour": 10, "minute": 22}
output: {"hour": 8, "minute": 46}
